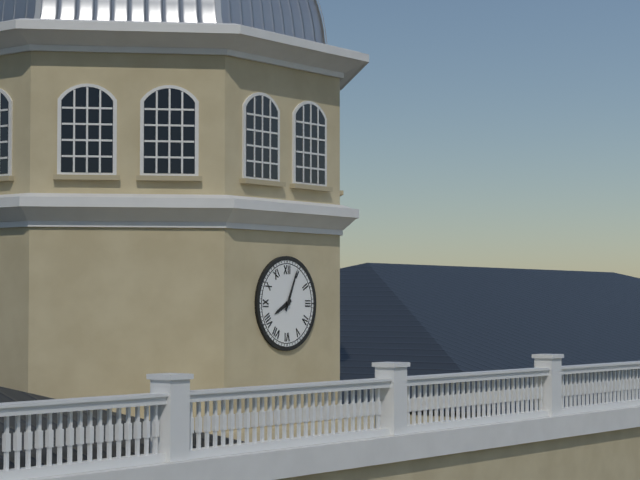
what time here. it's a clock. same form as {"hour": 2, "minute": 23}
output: {"hour": 8, "minute": 4}
